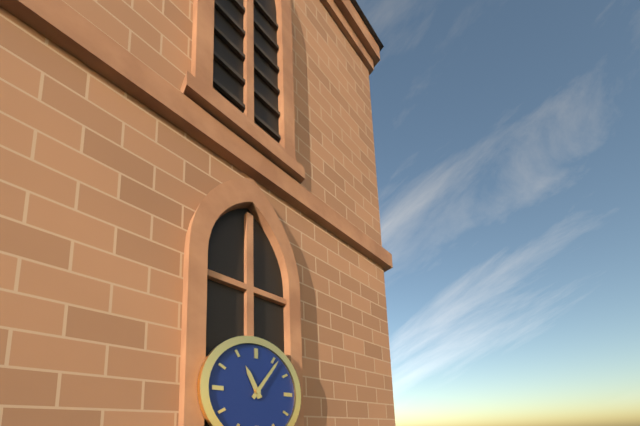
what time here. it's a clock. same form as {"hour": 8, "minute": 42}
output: {"hour": 11, "minute": 6}
